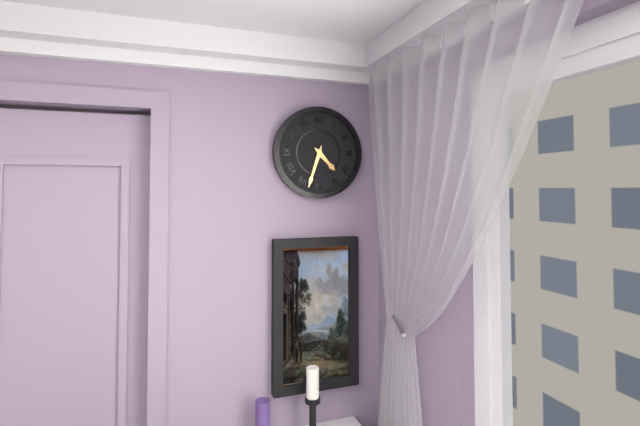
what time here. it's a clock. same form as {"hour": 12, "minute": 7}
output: {"hour": 4, "minute": 33}
